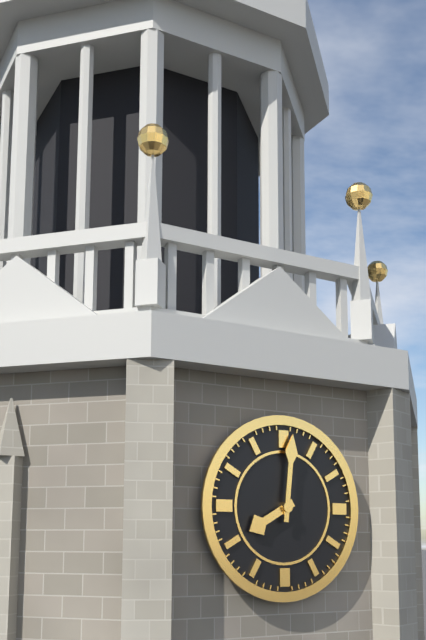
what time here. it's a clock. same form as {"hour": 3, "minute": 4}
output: {"hour": 8, "minute": 1}
